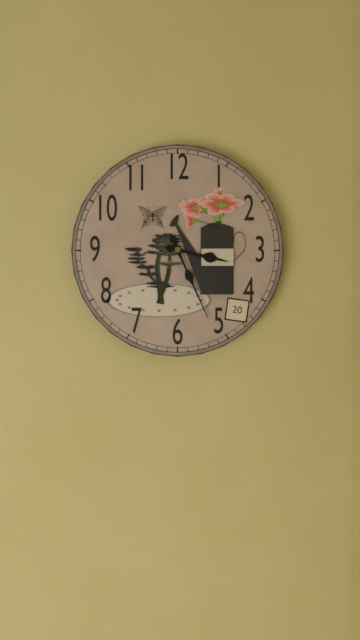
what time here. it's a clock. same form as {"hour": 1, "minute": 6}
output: {"hour": 3, "minute": 26}
